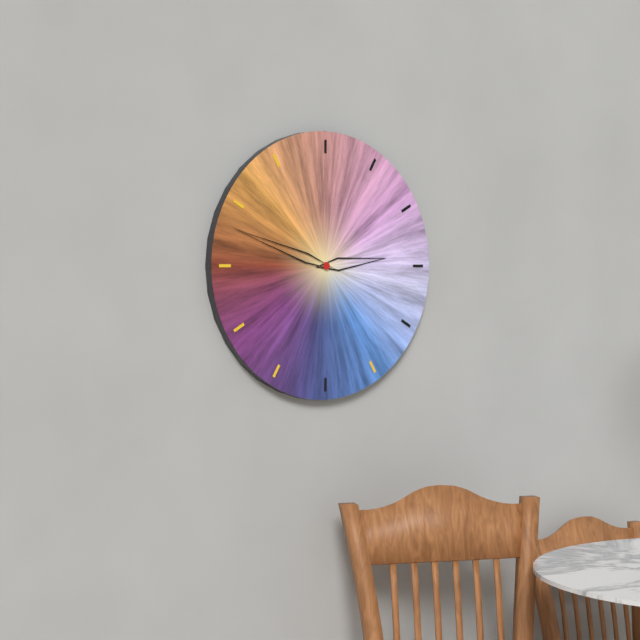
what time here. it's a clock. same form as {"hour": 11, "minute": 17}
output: {"hour": 2, "minute": 48}
